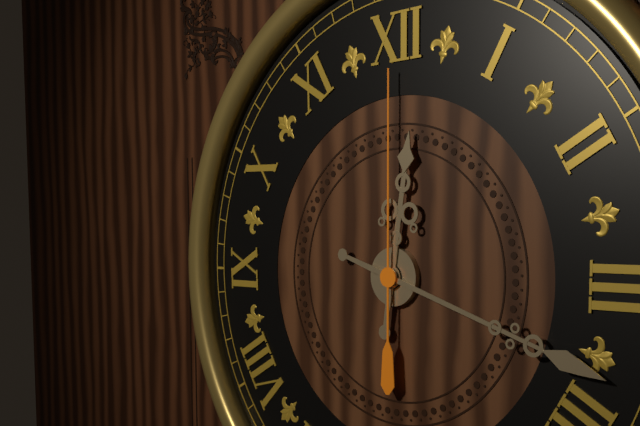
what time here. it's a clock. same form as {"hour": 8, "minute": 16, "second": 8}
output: {"hour": 12, "minute": 18, "second": 0}
